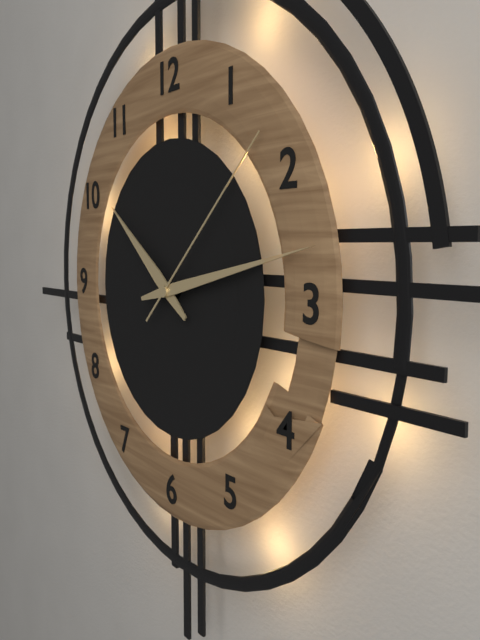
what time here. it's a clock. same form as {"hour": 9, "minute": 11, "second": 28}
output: {"hour": 10, "minute": 13, "second": 8}
